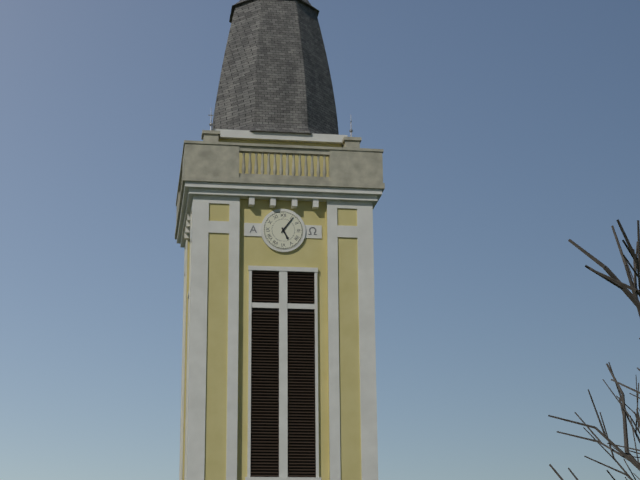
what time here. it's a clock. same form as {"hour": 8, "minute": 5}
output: {"hour": 5, "minute": 6}
